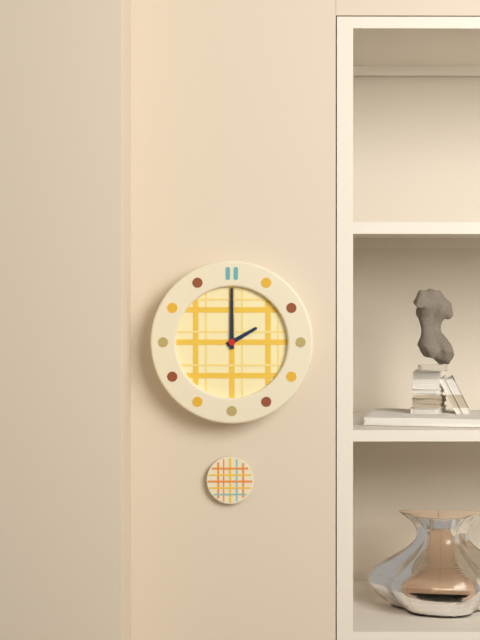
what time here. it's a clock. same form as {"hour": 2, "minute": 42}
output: {"hour": 2, "minute": 0}
